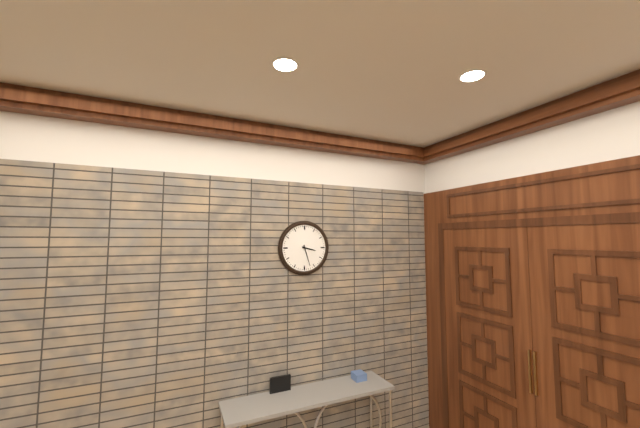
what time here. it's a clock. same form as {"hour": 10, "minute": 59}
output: {"hour": 3, "minute": 27}
